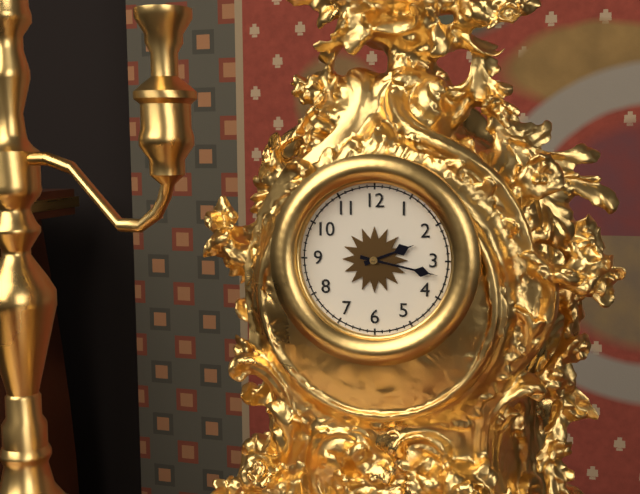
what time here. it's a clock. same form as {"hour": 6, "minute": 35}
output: {"hour": 2, "minute": 17}
